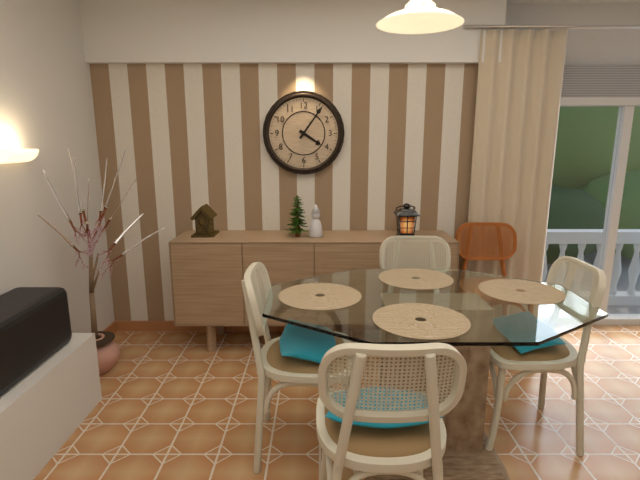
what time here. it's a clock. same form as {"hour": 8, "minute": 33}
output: {"hour": 4, "minute": 6}
